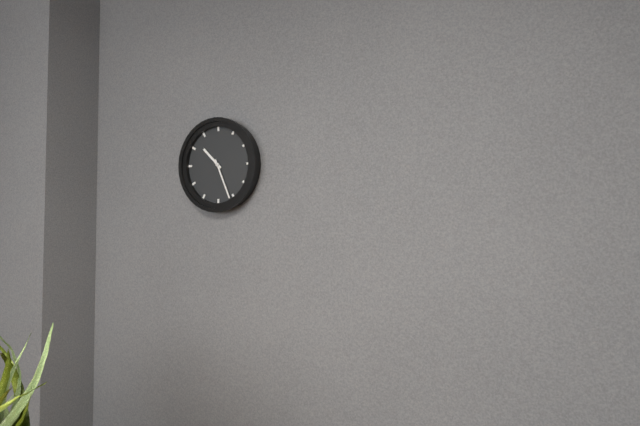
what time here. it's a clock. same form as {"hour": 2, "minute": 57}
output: {"hour": 10, "minute": 26}
